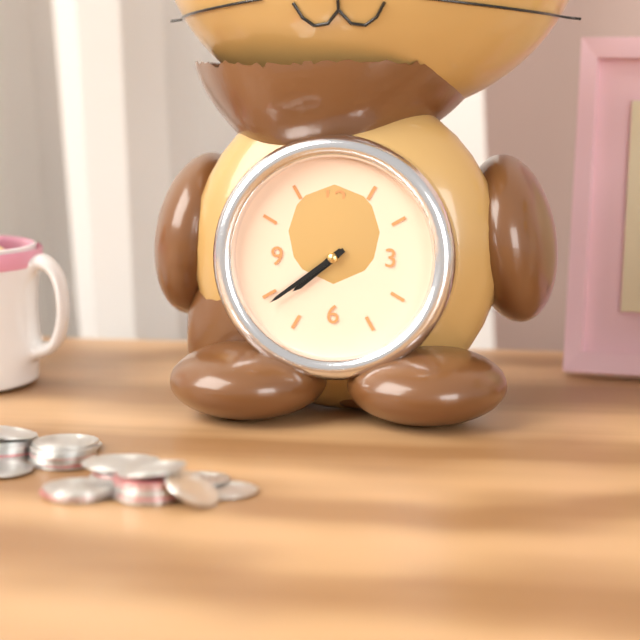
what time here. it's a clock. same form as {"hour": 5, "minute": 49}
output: {"hour": 7, "minute": 39}
